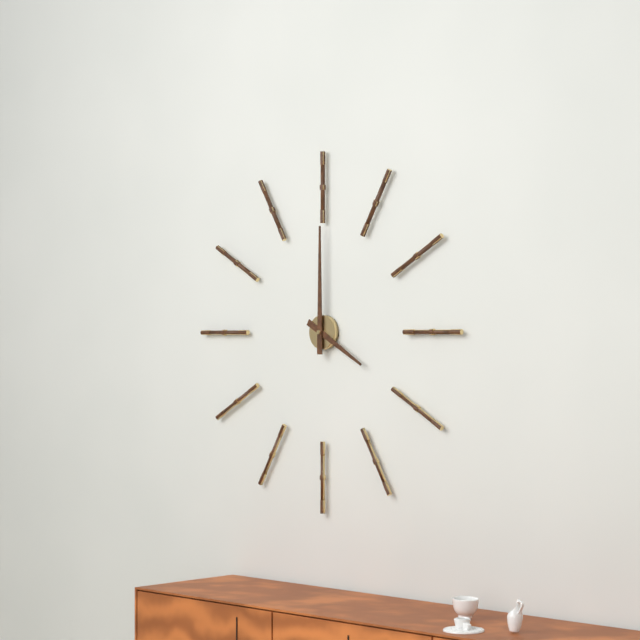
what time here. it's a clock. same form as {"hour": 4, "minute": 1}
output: {"hour": 4, "minute": 0}
